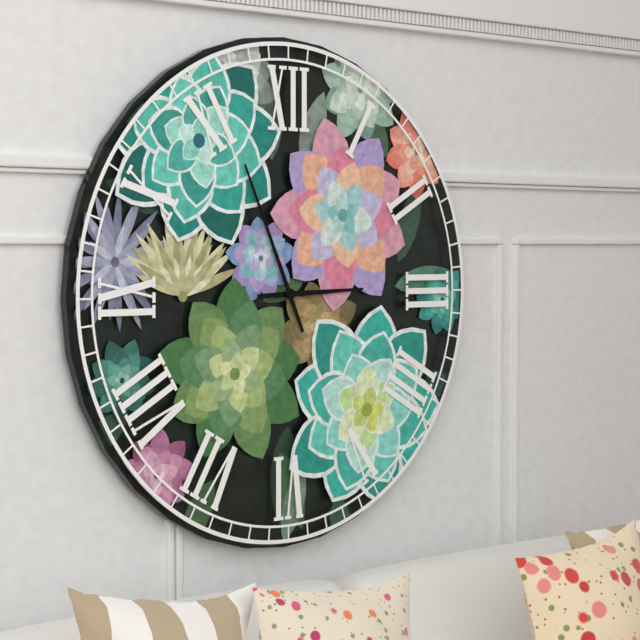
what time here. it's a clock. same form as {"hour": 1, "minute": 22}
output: {"hour": 2, "minute": 56}
